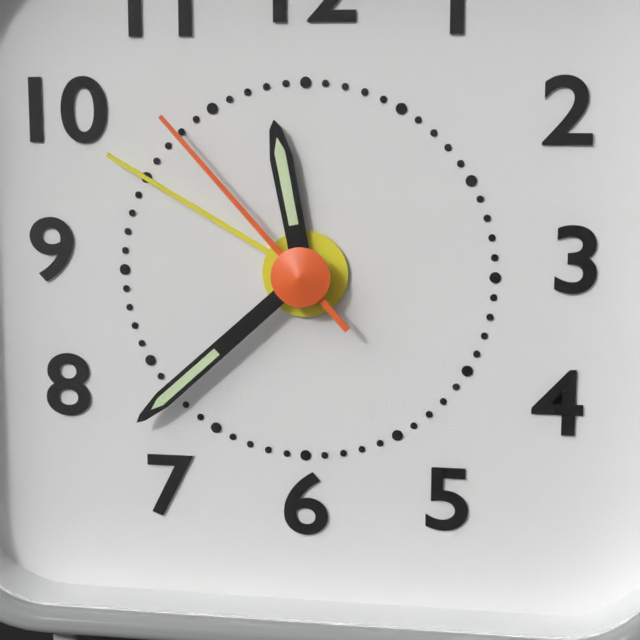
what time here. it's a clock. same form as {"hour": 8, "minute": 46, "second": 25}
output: {"hour": 11, "minute": 38, "second": 53}
